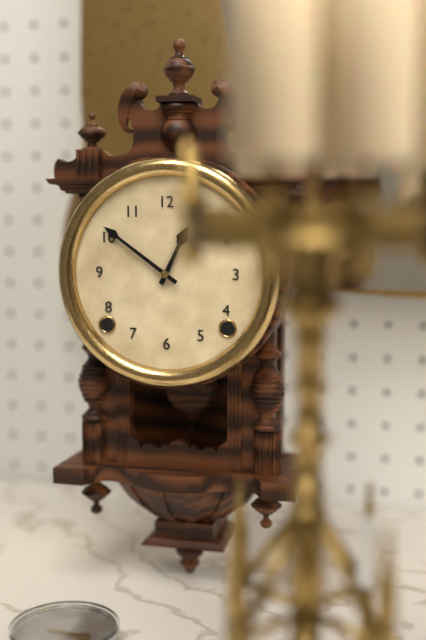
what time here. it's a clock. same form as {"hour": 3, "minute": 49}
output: {"hour": 12, "minute": 51}
